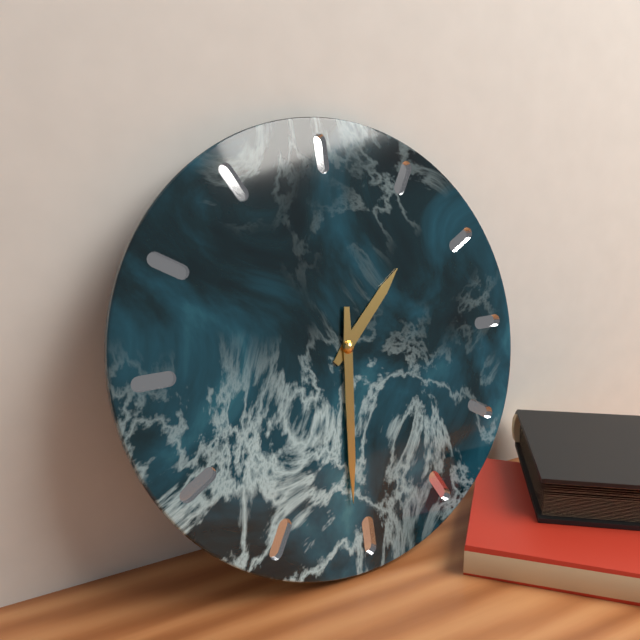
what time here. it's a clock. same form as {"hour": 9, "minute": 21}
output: {"hour": 1, "minute": 31}
